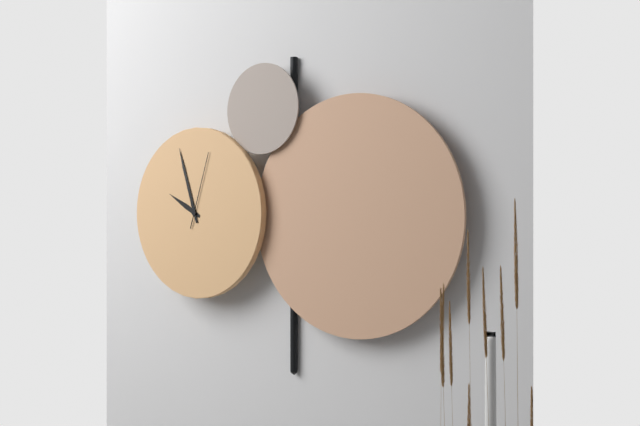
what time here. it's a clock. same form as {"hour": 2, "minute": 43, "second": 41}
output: {"hour": 9, "minute": 57, "second": 3}
